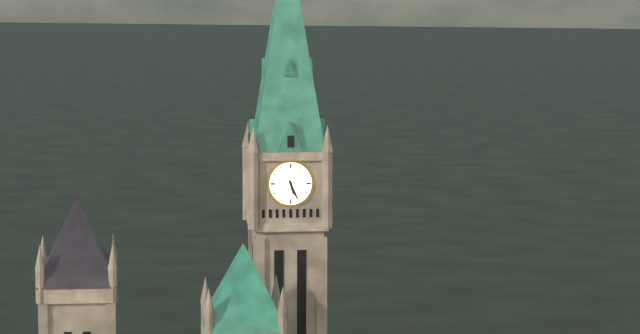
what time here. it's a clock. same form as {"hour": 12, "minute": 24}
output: {"hour": 5, "minute": 26}
